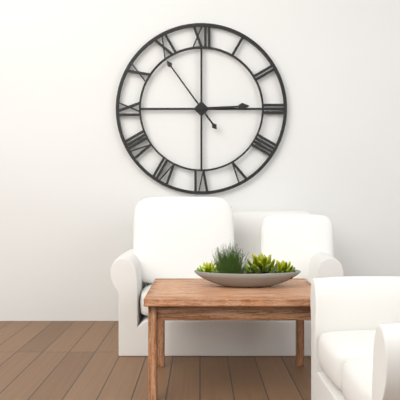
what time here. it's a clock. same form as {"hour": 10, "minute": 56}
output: {"hour": 2, "minute": 54}
